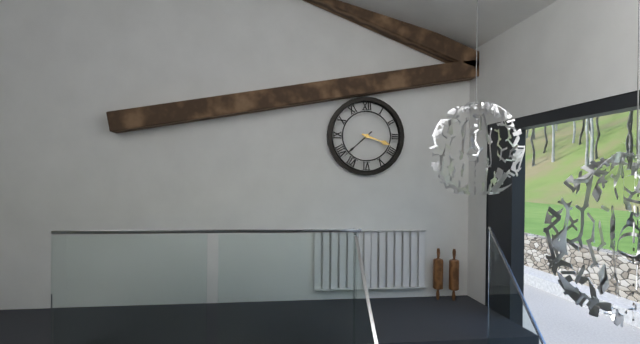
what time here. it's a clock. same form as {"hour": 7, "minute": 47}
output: {"hour": 3, "minute": 38}
